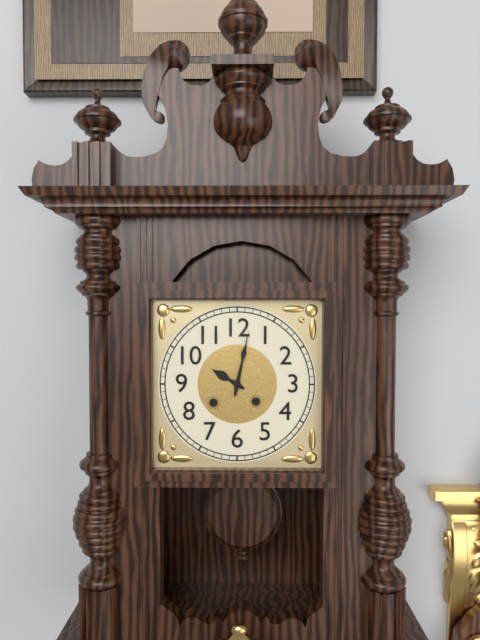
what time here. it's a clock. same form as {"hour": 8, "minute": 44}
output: {"hour": 10, "minute": 2}
